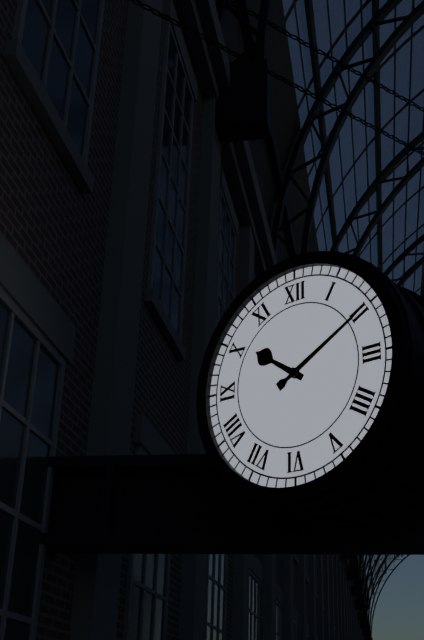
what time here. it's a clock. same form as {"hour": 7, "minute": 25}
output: {"hour": 10, "minute": 10}
